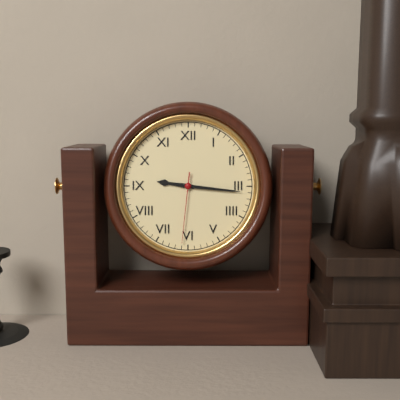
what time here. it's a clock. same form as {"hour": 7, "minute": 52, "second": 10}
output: {"hour": 9, "minute": 16, "second": 31}
